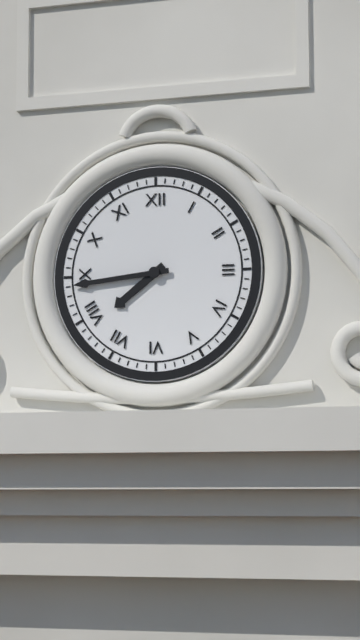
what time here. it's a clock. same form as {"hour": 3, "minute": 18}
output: {"hour": 7, "minute": 44}
